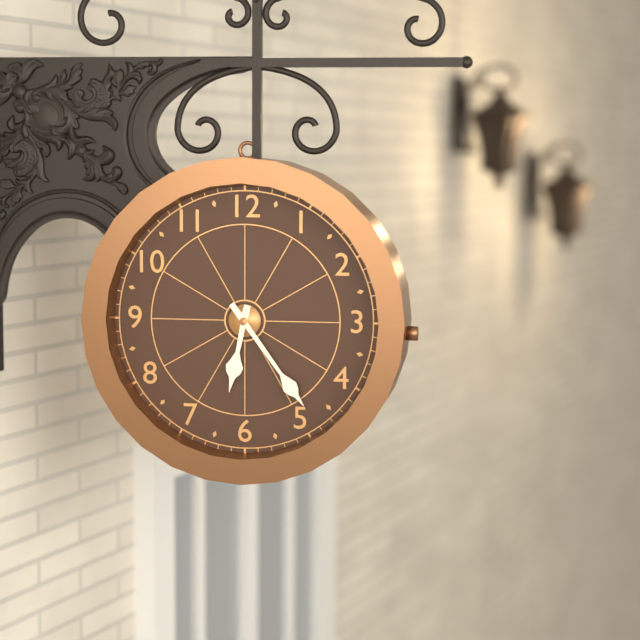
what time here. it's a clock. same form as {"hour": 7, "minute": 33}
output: {"hour": 6, "minute": 24}
